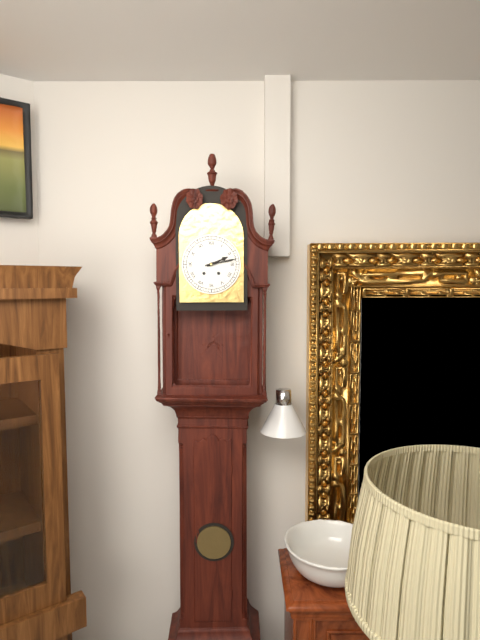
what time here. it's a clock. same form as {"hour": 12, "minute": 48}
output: {"hour": 2, "minute": 13}
